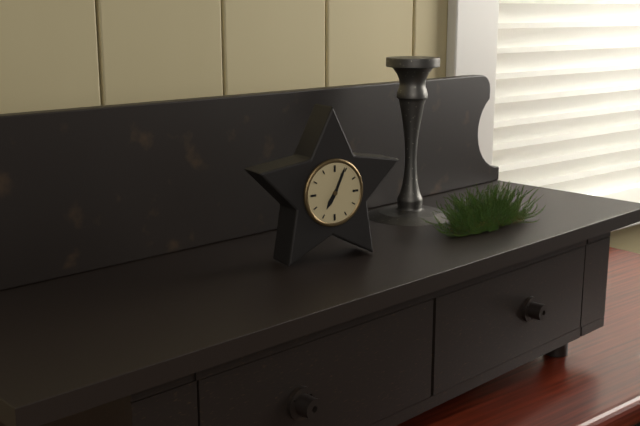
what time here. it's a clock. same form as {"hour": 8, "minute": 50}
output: {"hour": 7, "minute": 4}
